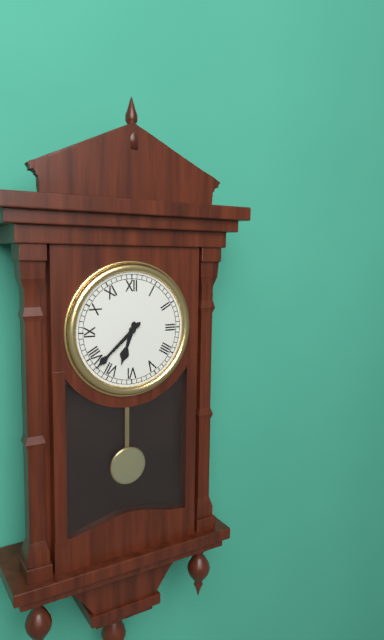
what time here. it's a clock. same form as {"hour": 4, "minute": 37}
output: {"hour": 6, "minute": 38}
